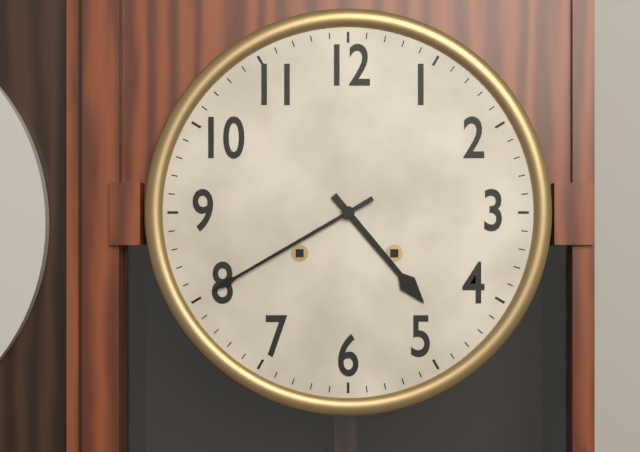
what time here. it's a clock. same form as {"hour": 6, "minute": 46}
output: {"hour": 4, "minute": 40}
